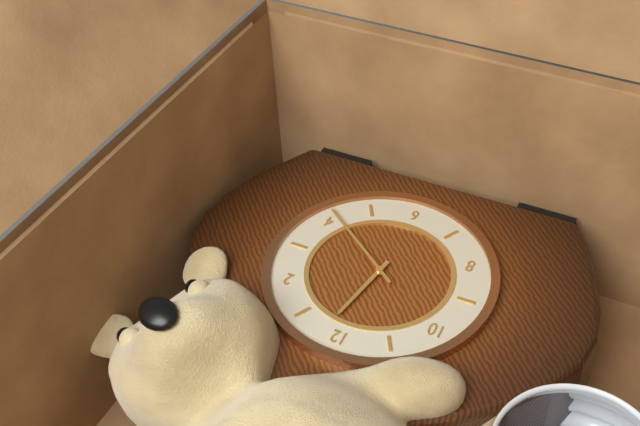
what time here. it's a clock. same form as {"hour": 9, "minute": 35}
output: {"hour": 12, "minute": 21}
